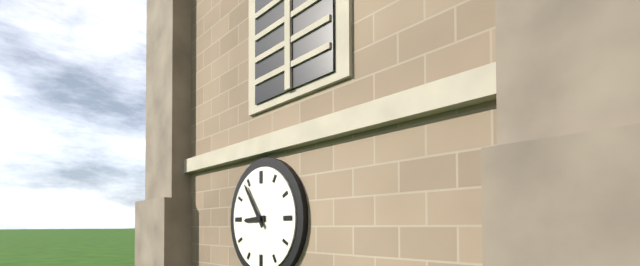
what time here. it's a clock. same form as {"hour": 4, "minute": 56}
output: {"hour": 8, "minute": 54}
